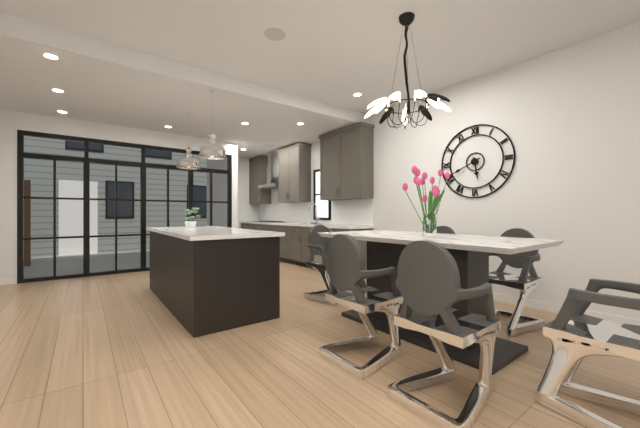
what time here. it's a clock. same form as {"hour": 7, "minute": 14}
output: {"hour": 5, "minute": 41}
